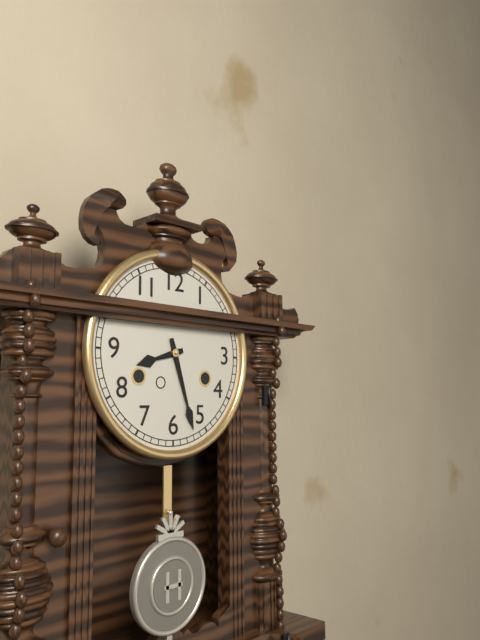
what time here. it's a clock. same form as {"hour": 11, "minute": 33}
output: {"hour": 8, "minute": 27}
